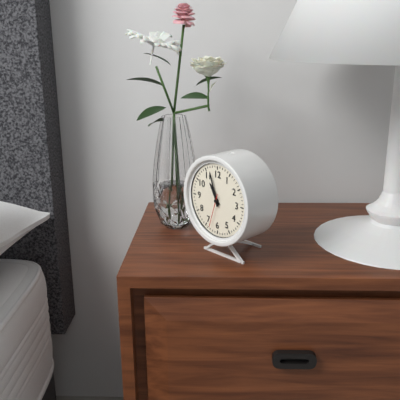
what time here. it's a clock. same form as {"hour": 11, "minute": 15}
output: {"hour": 10, "minute": 57}
